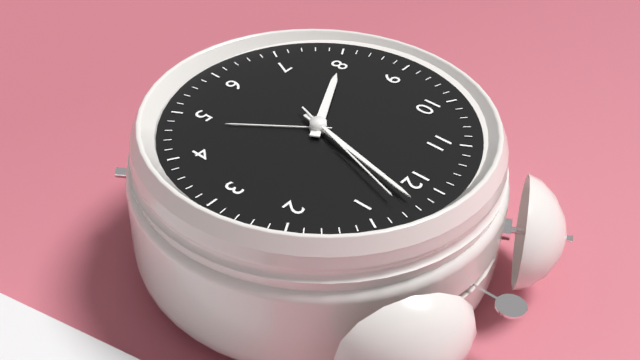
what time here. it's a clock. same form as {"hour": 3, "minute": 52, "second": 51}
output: {"hour": 8, "minute": 2, "second": 3}
